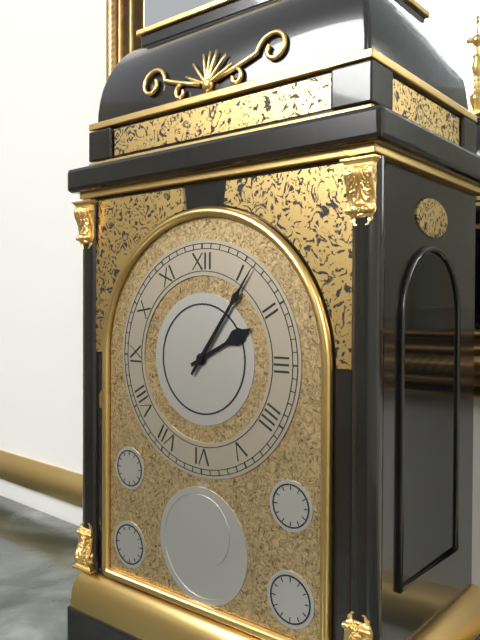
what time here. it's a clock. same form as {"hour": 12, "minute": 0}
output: {"hour": 2, "minute": 6}
